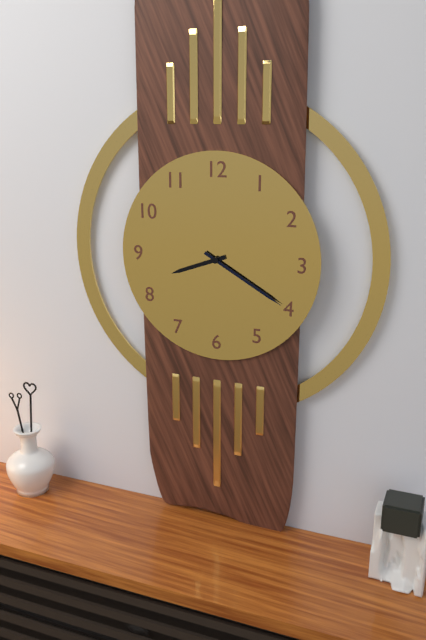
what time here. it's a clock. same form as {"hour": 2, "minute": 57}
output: {"hour": 8, "minute": 20}
